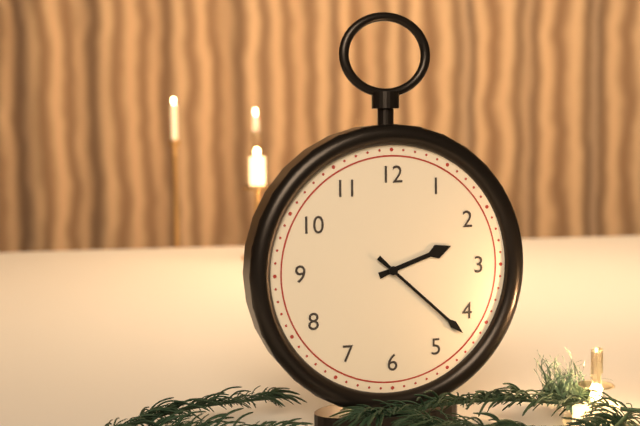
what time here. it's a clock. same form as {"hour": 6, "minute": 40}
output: {"hour": 2, "minute": 22}
